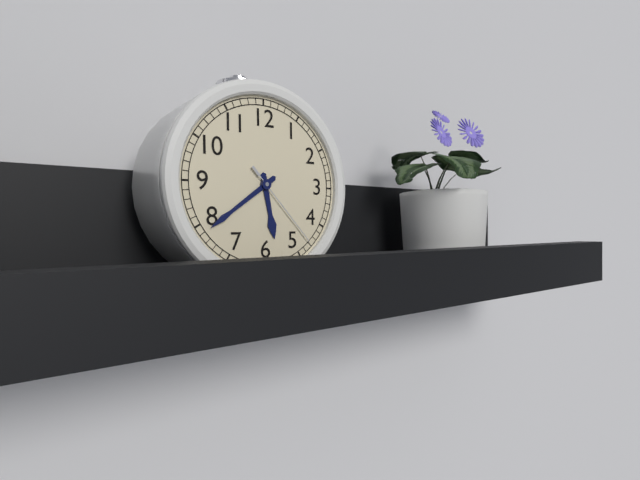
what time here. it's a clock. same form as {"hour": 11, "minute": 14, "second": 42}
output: {"hour": 5, "minute": 39, "second": 23}
